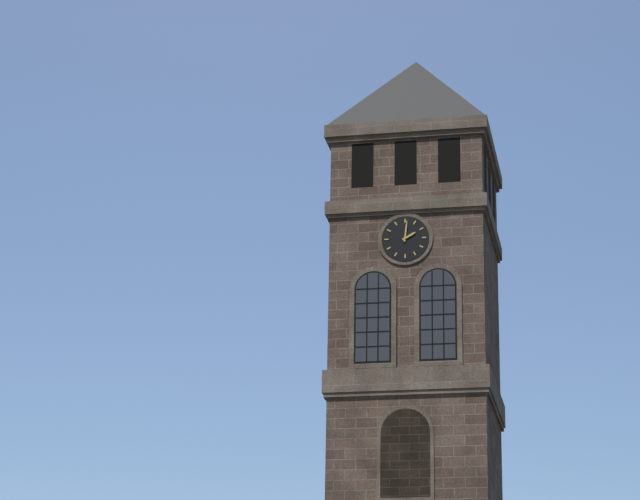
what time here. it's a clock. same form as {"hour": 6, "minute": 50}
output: {"hour": 2, "minute": 1}
